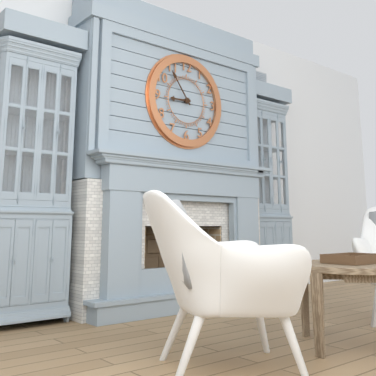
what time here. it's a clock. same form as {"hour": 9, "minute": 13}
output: {"hour": 8, "minute": 54}
